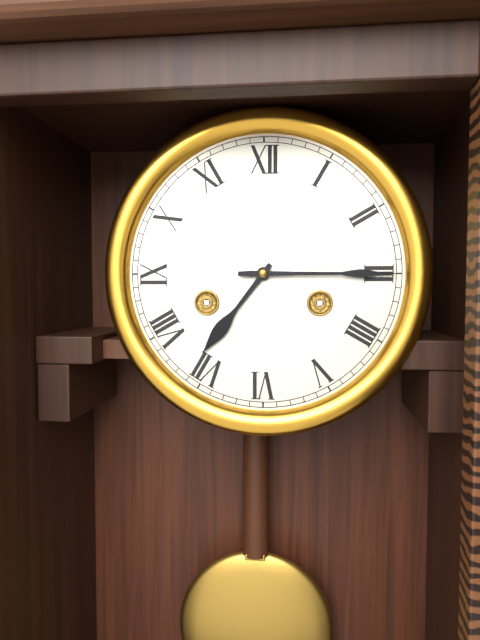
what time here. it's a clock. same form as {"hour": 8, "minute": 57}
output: {"hour": 7, "minute": 15}
